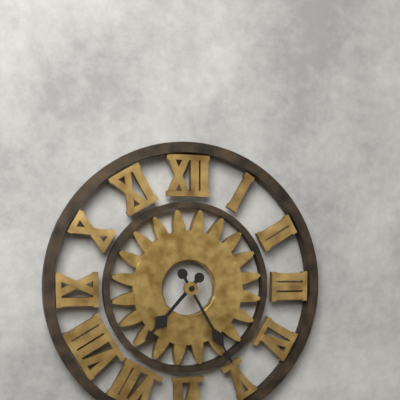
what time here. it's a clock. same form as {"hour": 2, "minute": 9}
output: {"hour": 7, "minute": 25}
